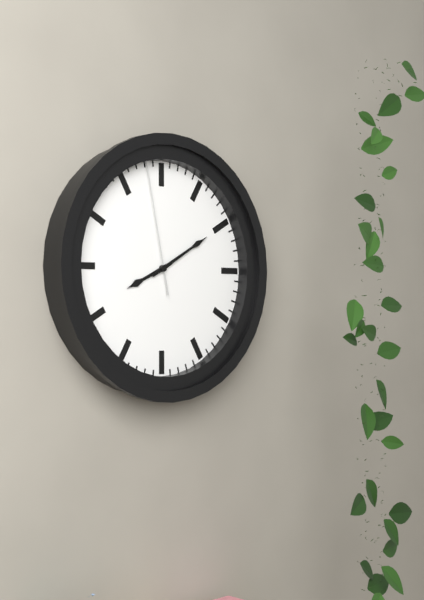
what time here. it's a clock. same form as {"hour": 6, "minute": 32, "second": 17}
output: {"hour": 8, "minute": 10, "second": 58}
